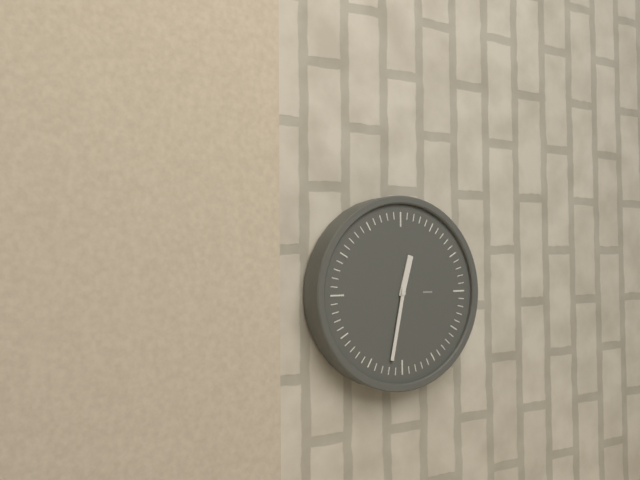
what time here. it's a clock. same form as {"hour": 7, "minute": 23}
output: {"hour": 12, "minute": 32}
